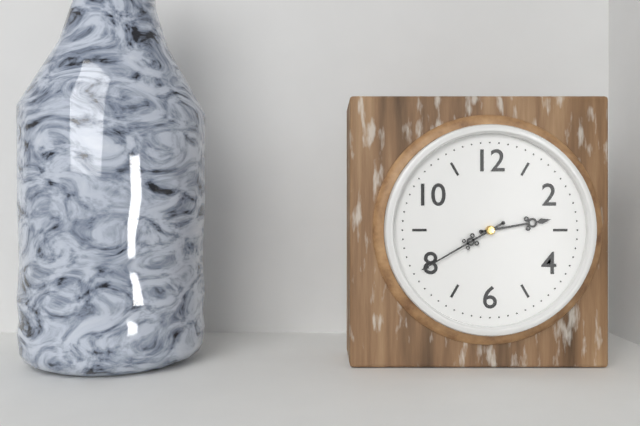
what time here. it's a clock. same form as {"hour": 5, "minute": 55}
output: {"hour": 2, "minute": 40}
